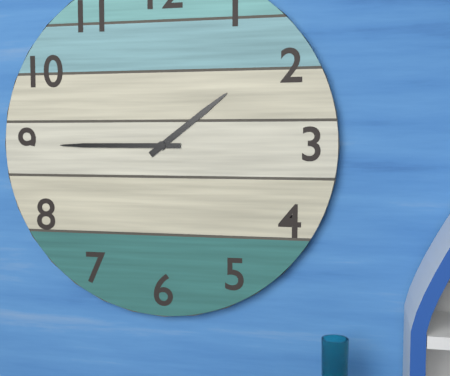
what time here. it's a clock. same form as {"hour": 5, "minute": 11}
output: {"hour": 1, "minute": 45}
